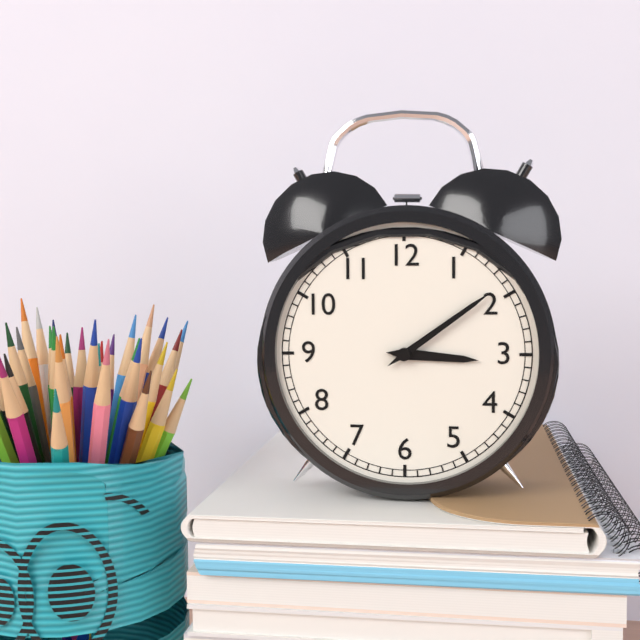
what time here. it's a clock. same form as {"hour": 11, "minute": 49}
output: {"hour": 3, "minute": 9}
